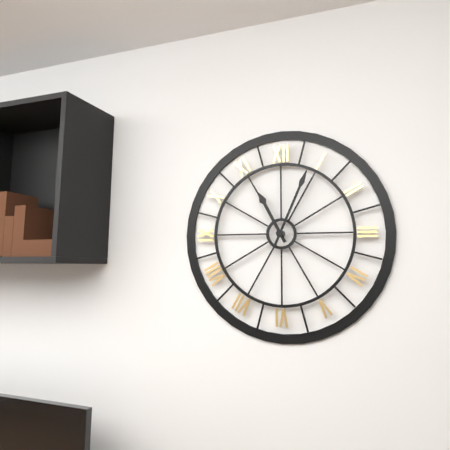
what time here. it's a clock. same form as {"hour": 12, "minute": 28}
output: {"hour": 11, "minute": 4}
